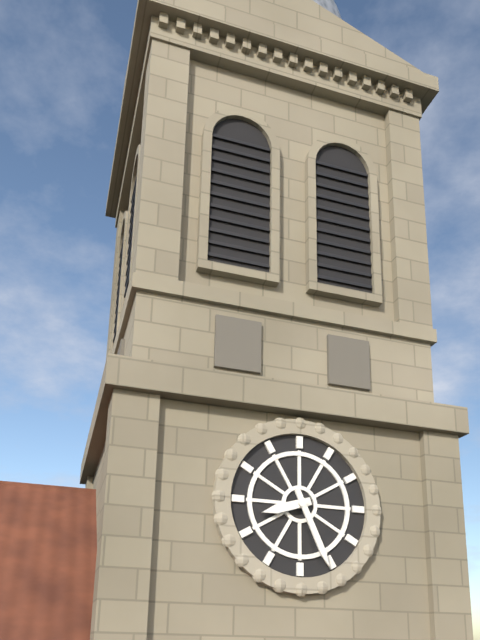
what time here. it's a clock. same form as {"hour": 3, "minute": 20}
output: {"hour": 8, "minute": 26}
